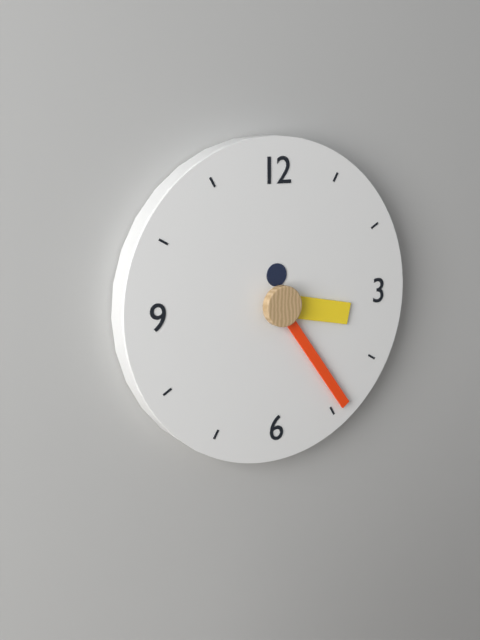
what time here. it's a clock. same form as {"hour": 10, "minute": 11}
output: {"hour": 3, "minute": 24}
